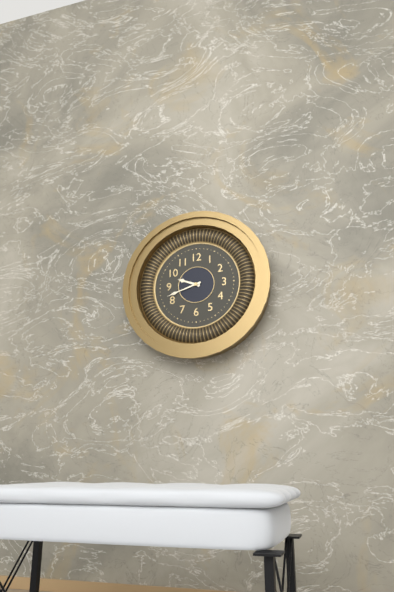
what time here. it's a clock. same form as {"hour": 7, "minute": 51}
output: {"hour": 9, "minute": 42}
